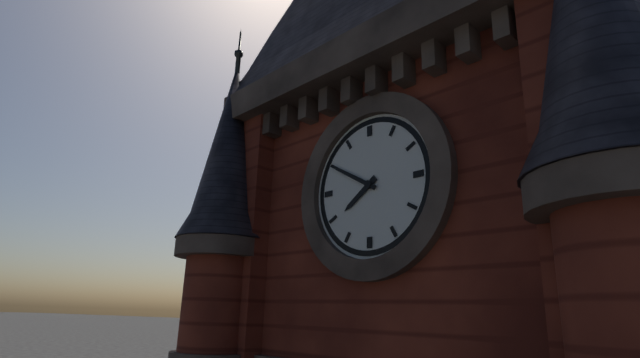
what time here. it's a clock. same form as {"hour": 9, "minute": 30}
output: {"hour": 7, "minute": 50}
